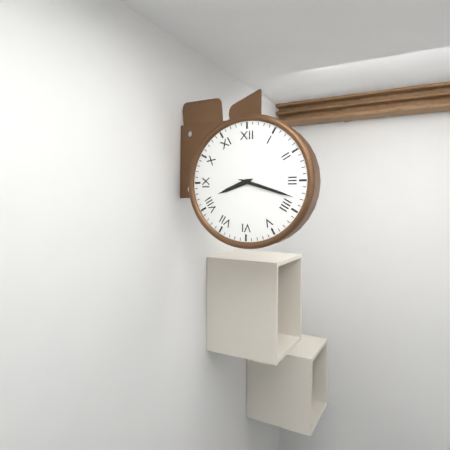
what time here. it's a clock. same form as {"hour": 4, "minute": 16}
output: {"hour": 8, "minute": 18}
